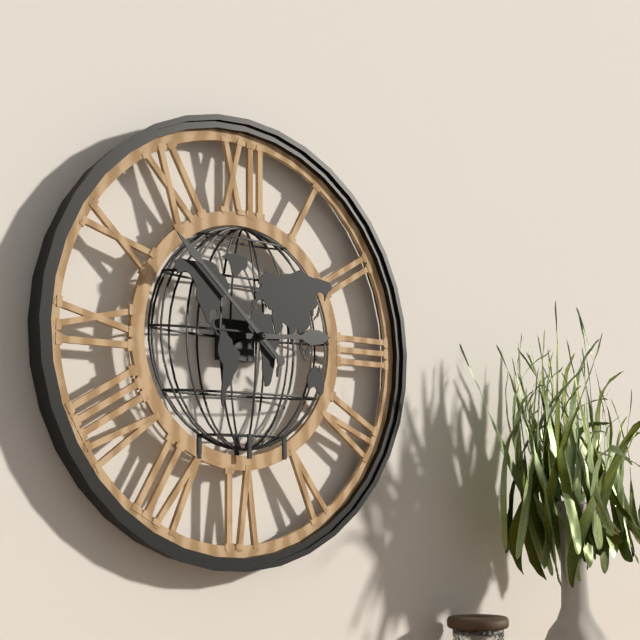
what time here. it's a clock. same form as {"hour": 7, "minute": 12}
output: {"hour": 2, "minute": 52}
